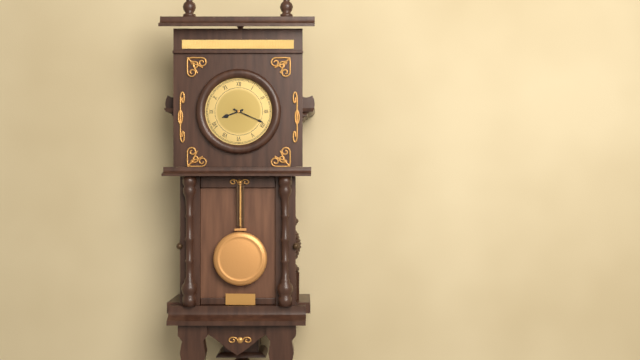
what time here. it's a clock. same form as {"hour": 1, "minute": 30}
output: {"hour": 8, "minute": 19}
